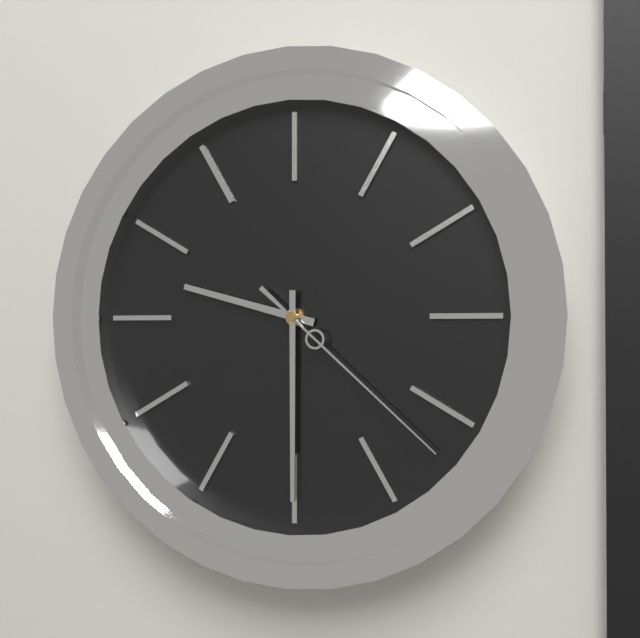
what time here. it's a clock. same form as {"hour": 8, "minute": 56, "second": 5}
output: {"hour": 9, "minute": 30, "second": 22}
